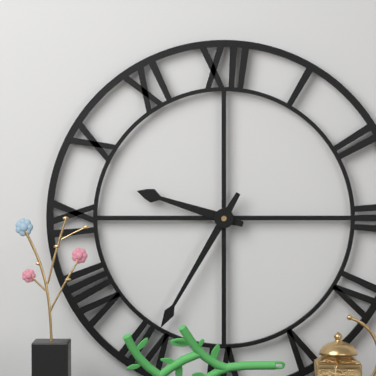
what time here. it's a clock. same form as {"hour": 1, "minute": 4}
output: {"hour": 9, "minute": 35}
